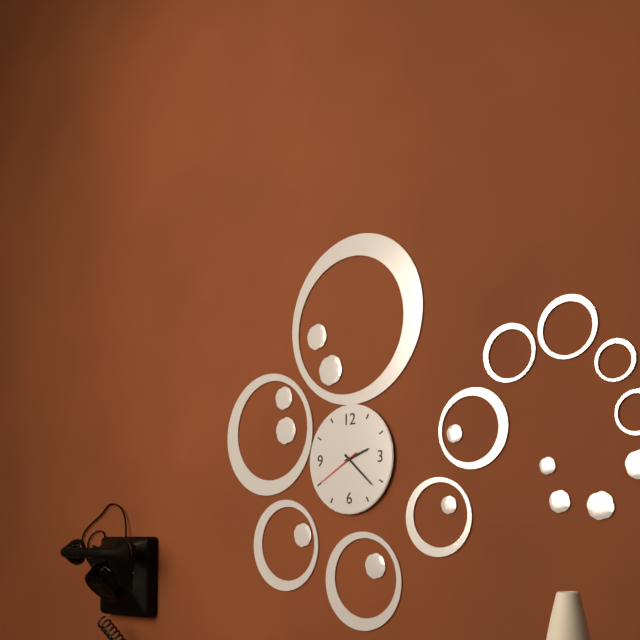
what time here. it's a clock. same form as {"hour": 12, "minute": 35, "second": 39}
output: {"hour": 2, "minute": 22, "second": 40}
